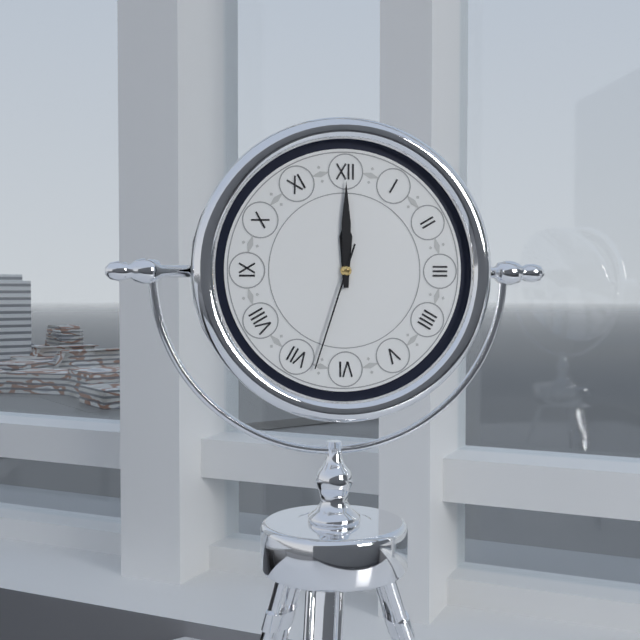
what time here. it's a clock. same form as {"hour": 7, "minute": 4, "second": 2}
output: {"hour": 12, "minute": 0, "second": 33}
